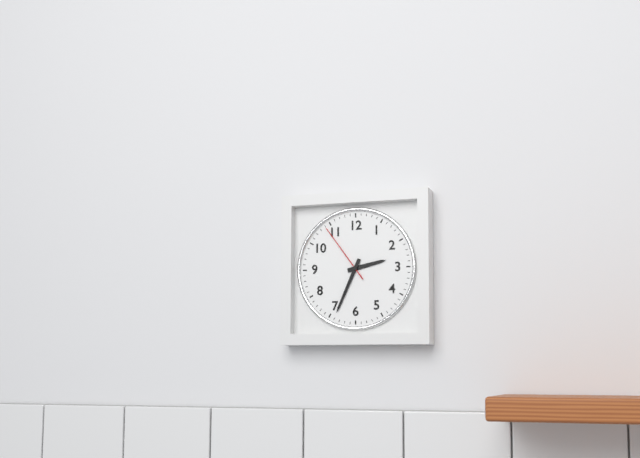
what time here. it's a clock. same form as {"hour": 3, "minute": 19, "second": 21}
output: {"hour": 2, "minute": 34, "second": 54}
